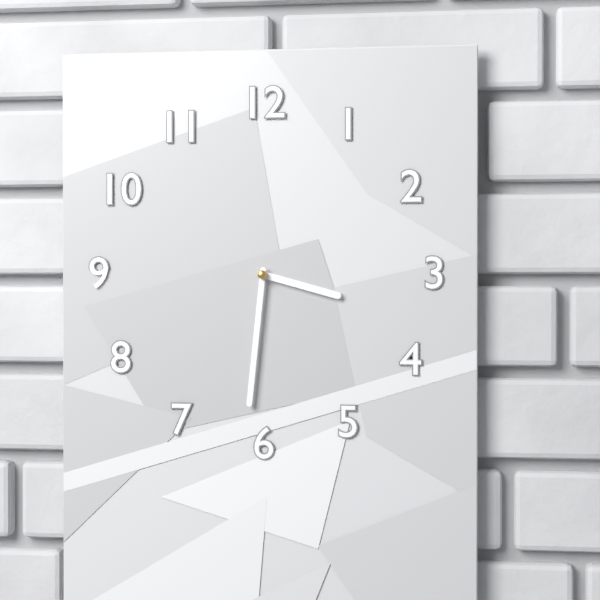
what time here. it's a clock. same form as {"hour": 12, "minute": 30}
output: {"hour": 3, "minute": 31}
